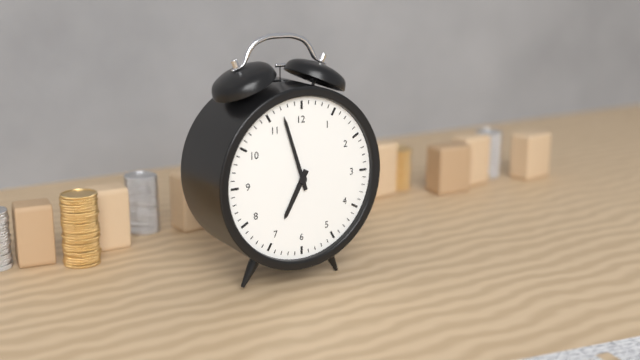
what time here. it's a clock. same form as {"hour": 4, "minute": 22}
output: {"hour": 6, "minute": 57}
